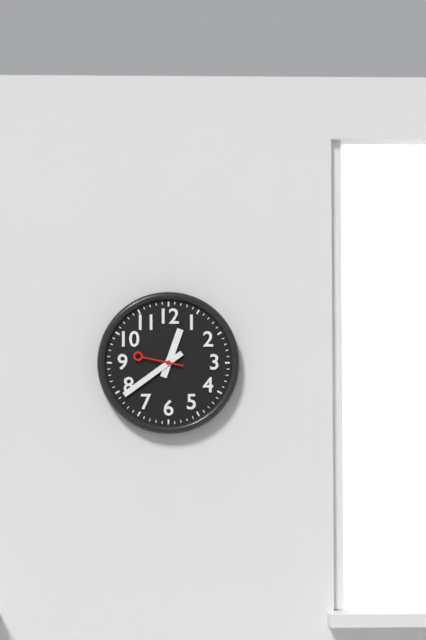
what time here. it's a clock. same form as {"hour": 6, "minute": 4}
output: {"hour": 12, "minute": 39}
